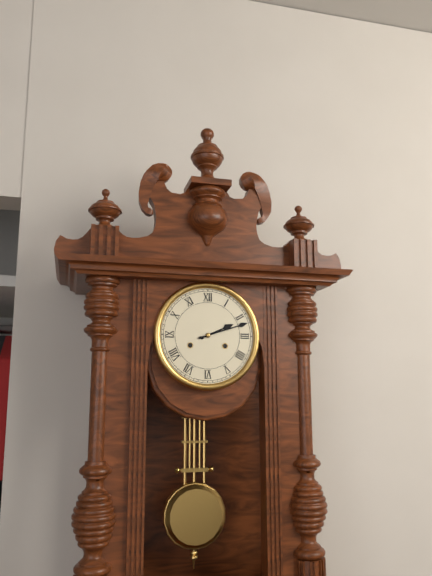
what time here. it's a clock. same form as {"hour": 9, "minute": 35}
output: {"hour": 2, "minute": 12}
